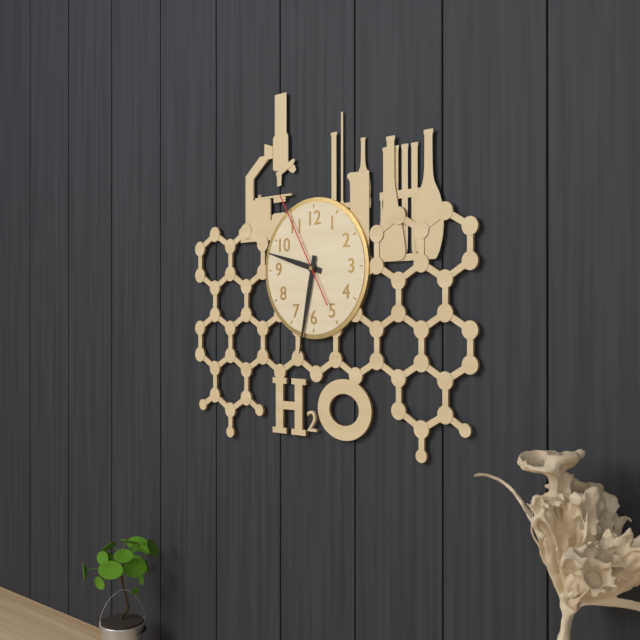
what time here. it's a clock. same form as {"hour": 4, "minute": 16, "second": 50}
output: {"hour": 9, "minute": 32, "second": 55}
